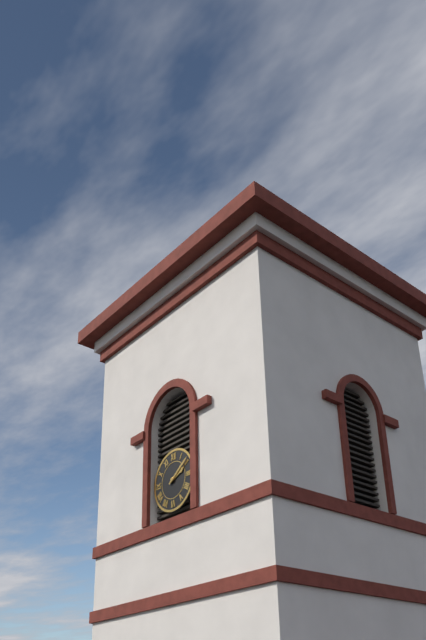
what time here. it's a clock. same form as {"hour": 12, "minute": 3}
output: {"hour": 2, "minute": 9}
